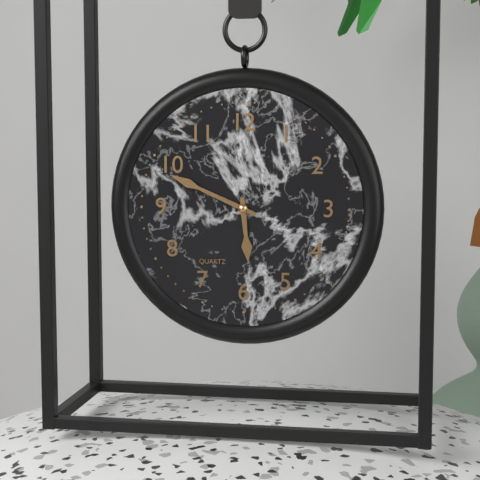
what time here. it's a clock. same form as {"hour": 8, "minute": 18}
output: {"hour": 5, "minute": 49}
